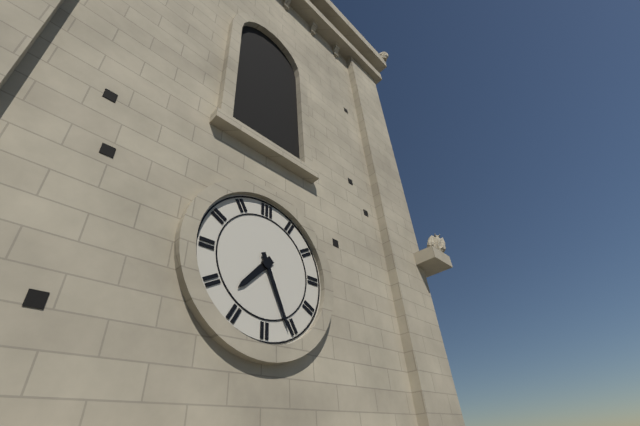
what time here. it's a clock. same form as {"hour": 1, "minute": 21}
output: {"hour": 7, "minute": 26}
